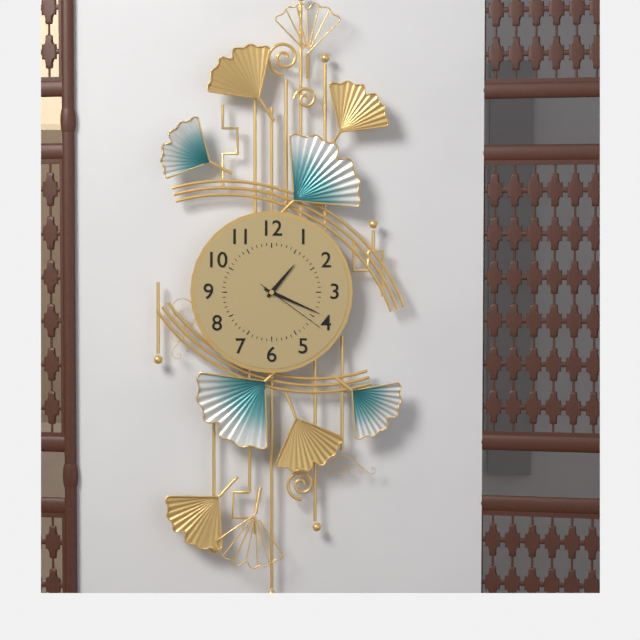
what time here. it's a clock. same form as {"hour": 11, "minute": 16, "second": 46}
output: {"hour": 1, "minute": 19, "second": 21}
